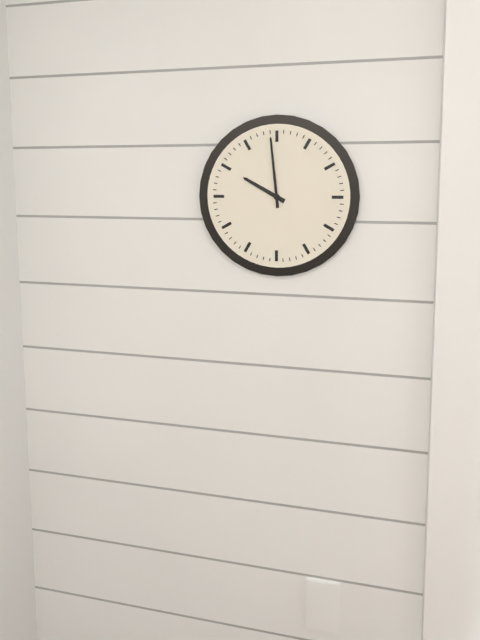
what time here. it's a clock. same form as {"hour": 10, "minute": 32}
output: {"hour": 9, "minute": 59}
